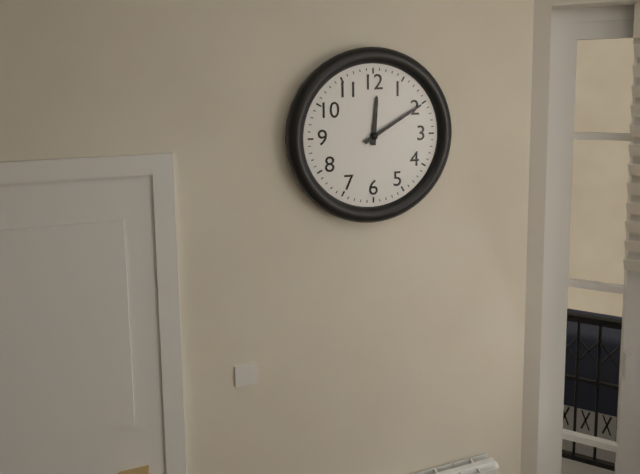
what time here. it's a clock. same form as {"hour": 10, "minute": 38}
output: {"hour": 12, "minute": 10}
